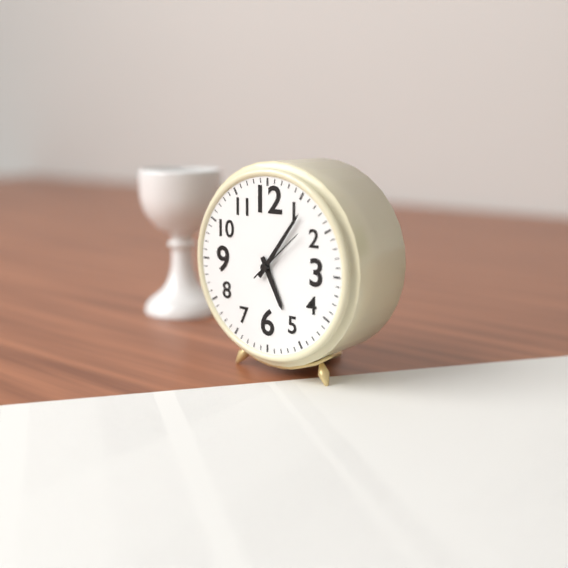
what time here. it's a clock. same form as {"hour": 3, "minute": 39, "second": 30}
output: {"hour": 5, "minute": 6, "second": 8}
